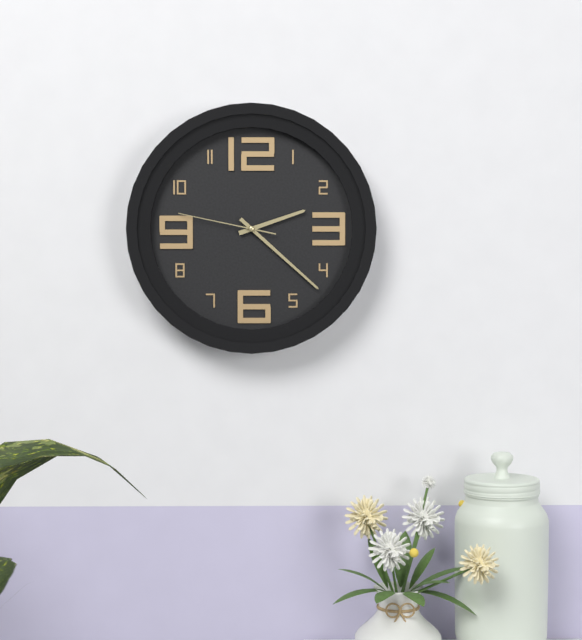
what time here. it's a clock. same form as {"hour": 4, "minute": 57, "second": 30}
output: {"hour": 2, "minute": 22, "second": 47}
